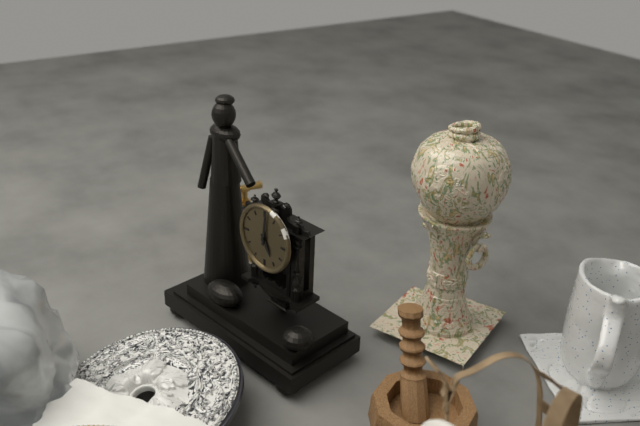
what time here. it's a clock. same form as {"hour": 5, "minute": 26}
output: {"hour": 5, "minute": 1}
